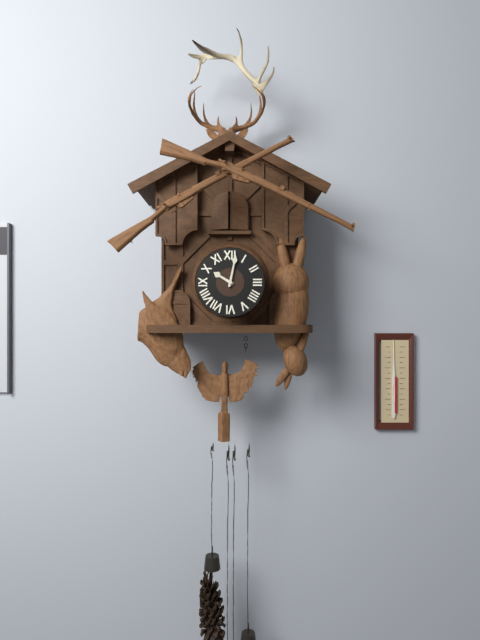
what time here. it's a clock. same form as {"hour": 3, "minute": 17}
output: {"hour": 10, "minute": 2}
